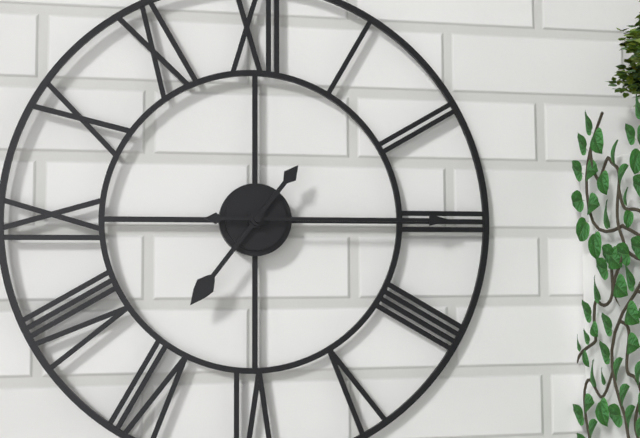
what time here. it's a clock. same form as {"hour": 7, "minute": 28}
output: {"hour": 7, "minute": 15}
